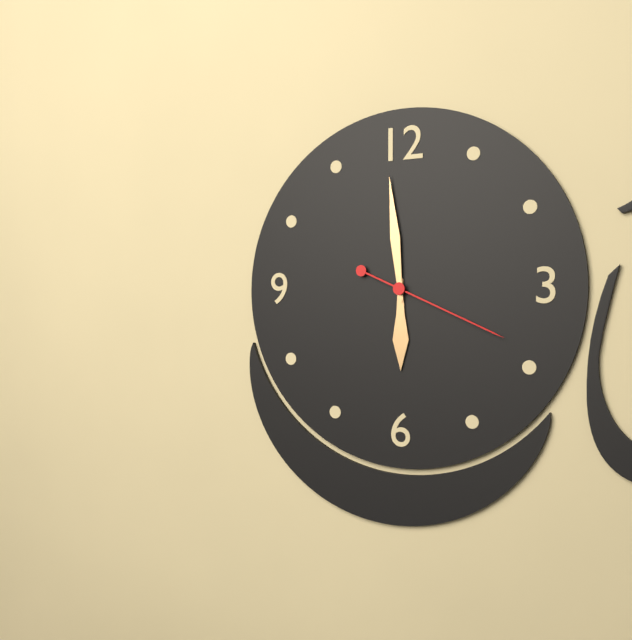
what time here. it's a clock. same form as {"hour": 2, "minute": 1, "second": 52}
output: {"hour": 5, "minute": 59, "second": 19}
